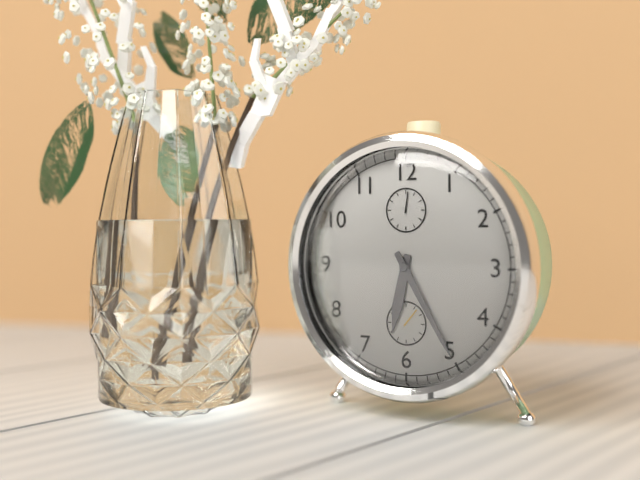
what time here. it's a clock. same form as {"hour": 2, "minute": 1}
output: {"hour": 6, "minute": 25}
